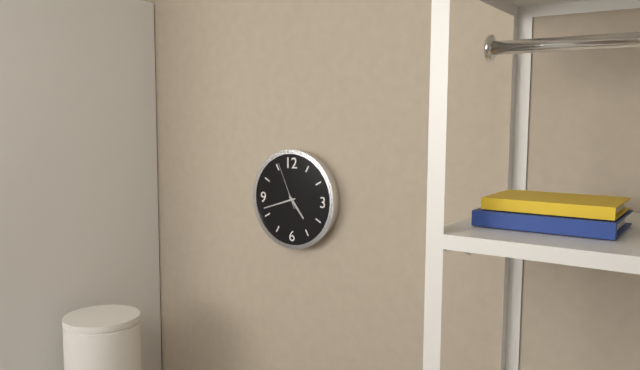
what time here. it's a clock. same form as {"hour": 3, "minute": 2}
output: {"hour": 4, "minute": 42}
